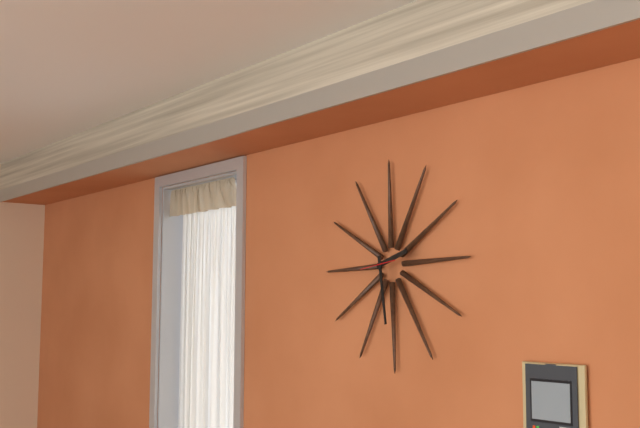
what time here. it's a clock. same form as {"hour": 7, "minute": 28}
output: {"hour": 2, "minute": 29}
